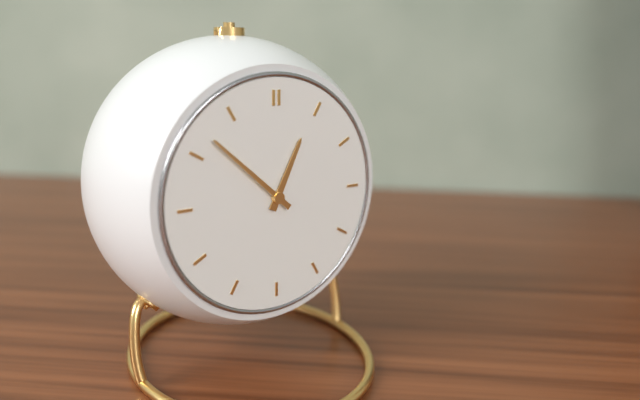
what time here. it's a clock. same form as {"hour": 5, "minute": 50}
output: {"hour": 12, "minute": 52}
